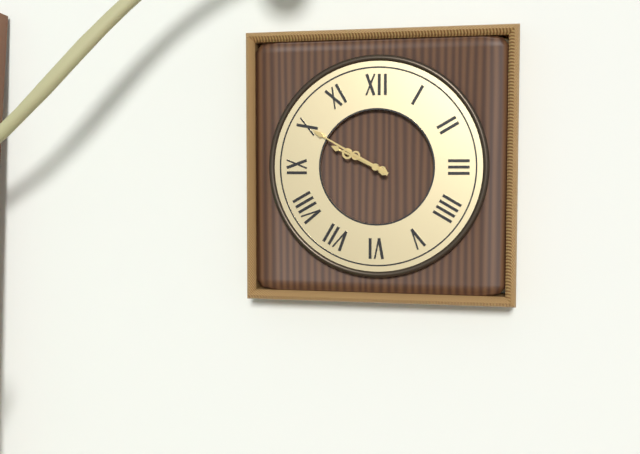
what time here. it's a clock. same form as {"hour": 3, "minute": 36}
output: {"hour": 9, "minute": 50}
